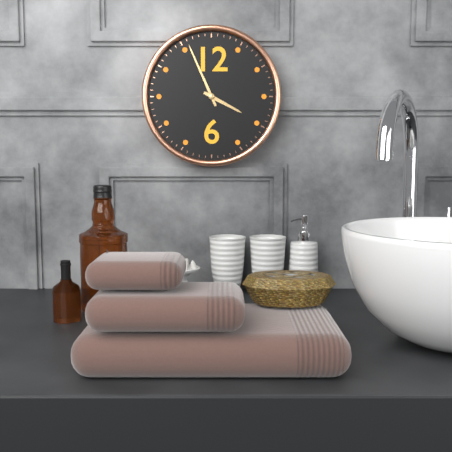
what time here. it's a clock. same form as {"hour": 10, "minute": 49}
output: {"hour": 3, "minute": 56}
